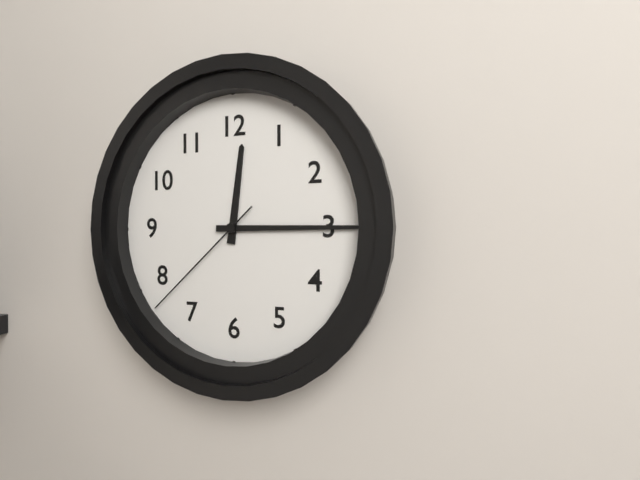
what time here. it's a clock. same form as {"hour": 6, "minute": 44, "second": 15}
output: {"hour": 12, "minute": 15, "second": 38}
